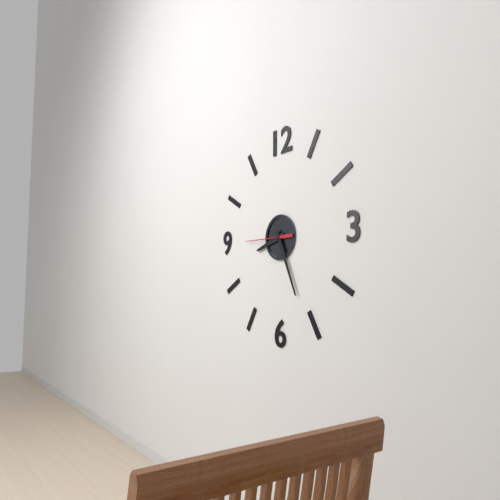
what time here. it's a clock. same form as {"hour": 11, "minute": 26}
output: {"hour": 8, "minute": 26}
